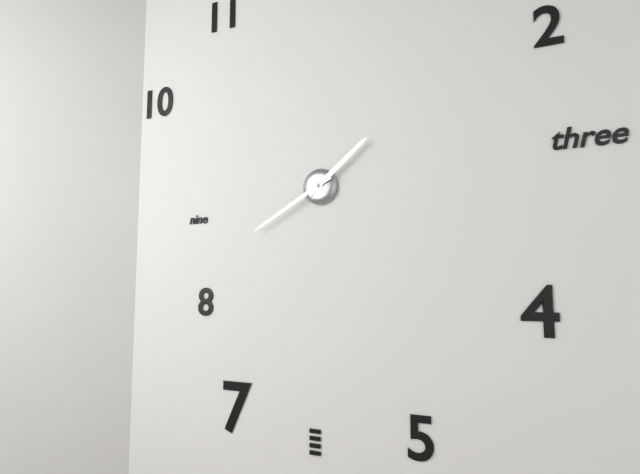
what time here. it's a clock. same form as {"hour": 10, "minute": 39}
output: {"hour": 1, "minute": 40}
